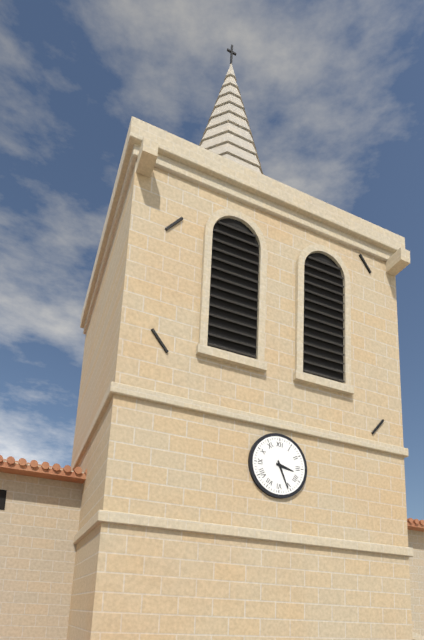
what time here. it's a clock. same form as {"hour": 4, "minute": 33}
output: {"hour": 3, "minute": 26}
